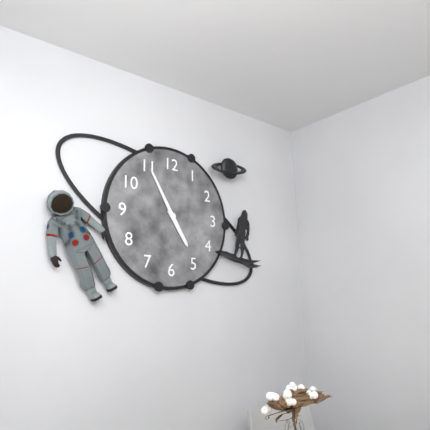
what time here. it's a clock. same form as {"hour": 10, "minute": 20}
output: {"hour": 4, "minute": 55}
